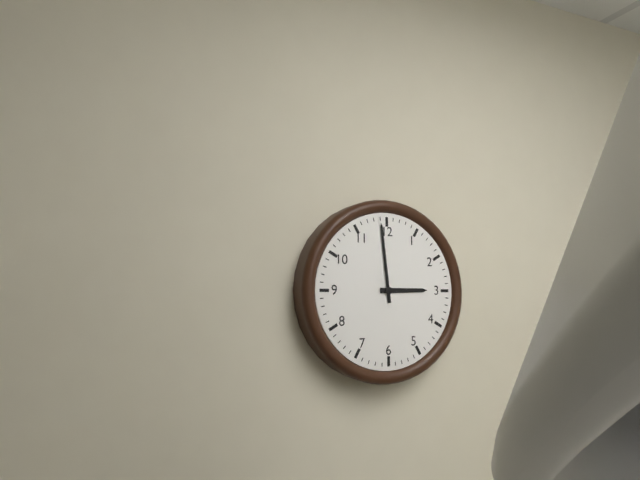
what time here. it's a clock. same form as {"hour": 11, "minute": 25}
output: {"hour": 2, "minute": 59}
